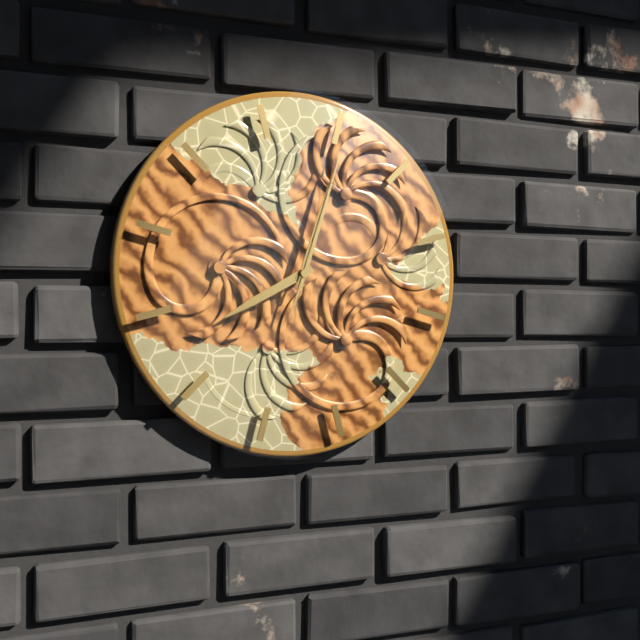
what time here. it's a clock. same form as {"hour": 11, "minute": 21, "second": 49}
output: {"hour": 8, "minute": 3, "second": 3}
